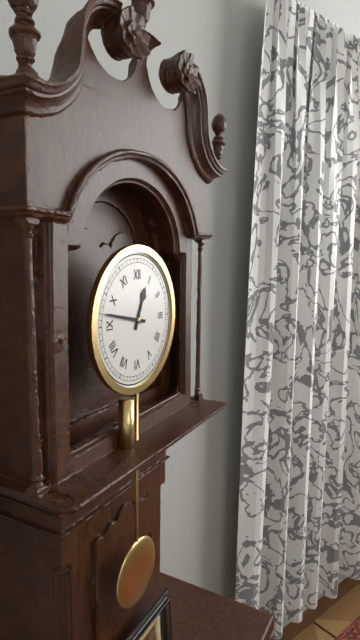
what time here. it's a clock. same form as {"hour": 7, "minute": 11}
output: {"hour": 12, "minute": 47}
